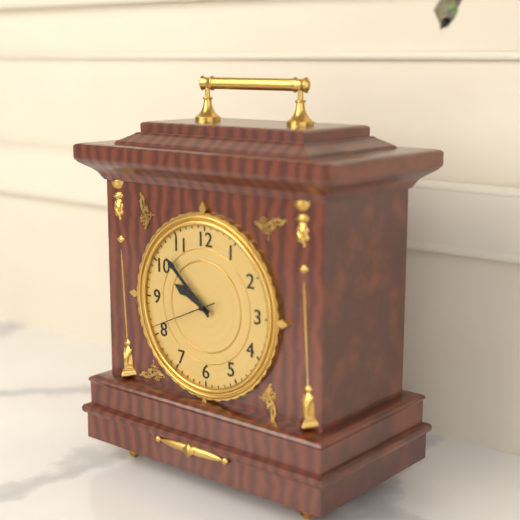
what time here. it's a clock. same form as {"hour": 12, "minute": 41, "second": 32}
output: {"hour": 9, "minute": 52, "second": 41}
